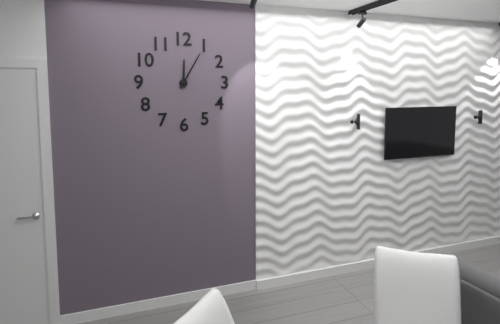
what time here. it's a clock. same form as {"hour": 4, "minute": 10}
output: {"hour": 12, "minute": 5}
